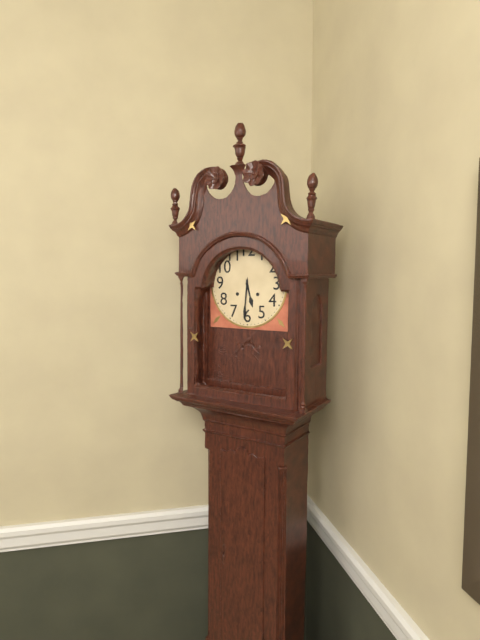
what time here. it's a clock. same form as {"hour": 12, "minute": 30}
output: {"hour": 5, "minute": 31}
